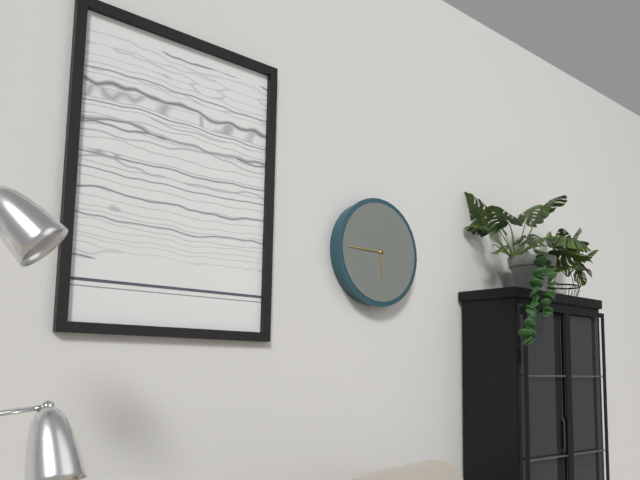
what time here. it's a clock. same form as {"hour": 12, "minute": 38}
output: {"hour": 5, "minute": 45}
